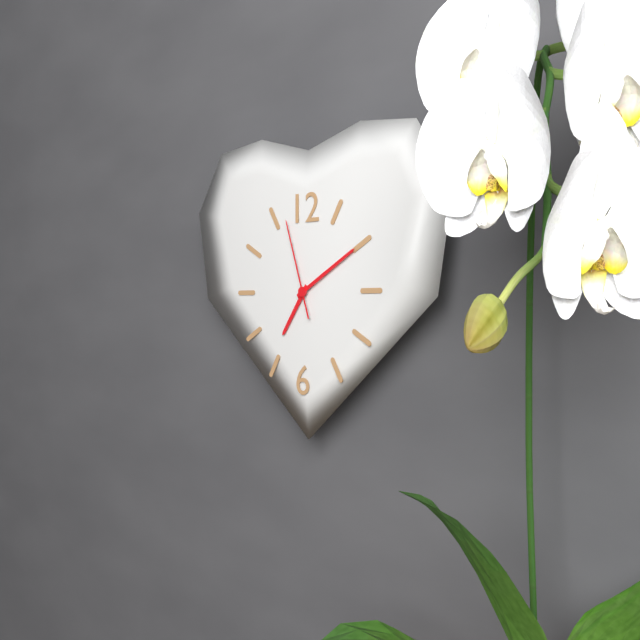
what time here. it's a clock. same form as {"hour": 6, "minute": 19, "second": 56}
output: {"hour": 7, "minute": 10, "second": 57}
